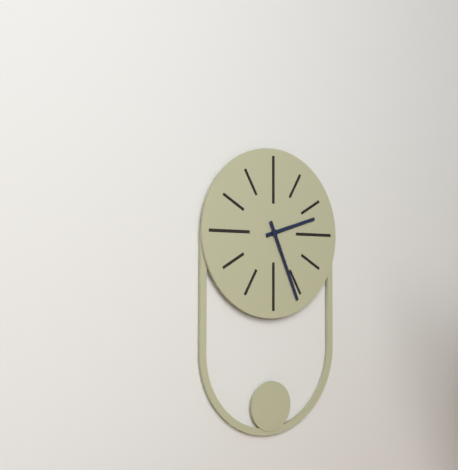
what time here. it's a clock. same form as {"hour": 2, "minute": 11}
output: {"hour": 2, "minute": 26}
